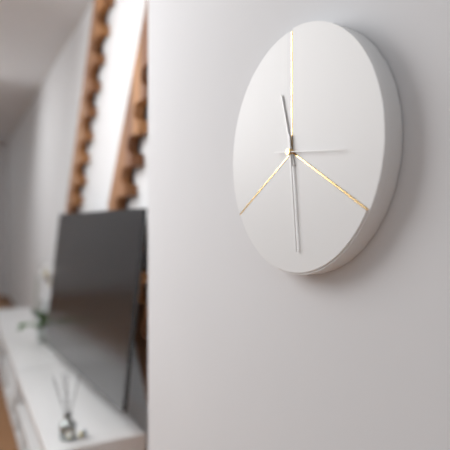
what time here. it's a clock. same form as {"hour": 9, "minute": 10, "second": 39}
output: {"hour": 11, "minute": 29, "second": 16}
